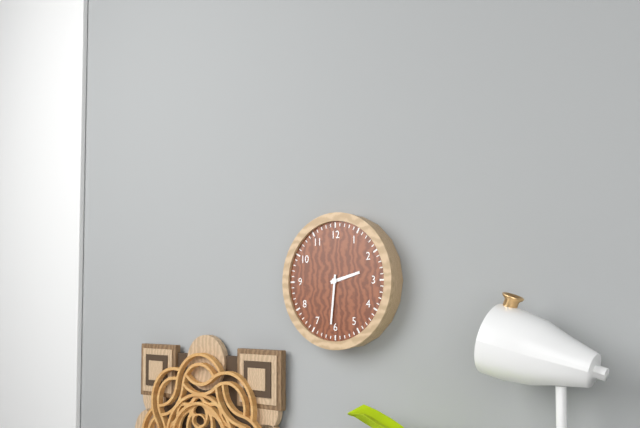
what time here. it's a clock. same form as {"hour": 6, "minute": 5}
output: {"hour": 2, "minute": 31}
